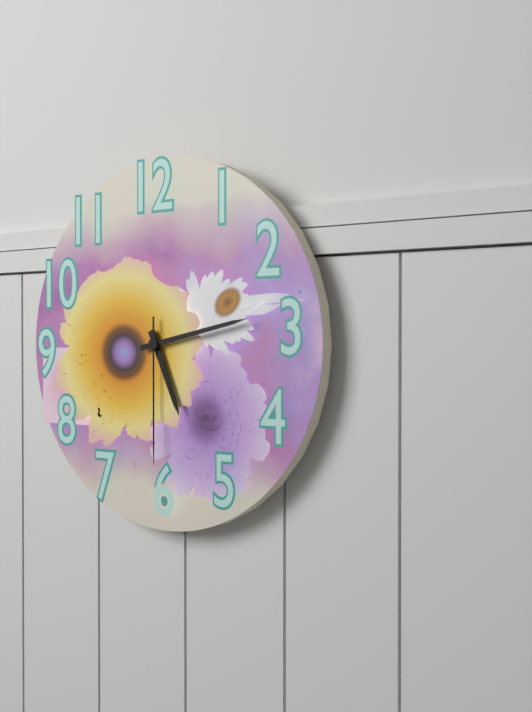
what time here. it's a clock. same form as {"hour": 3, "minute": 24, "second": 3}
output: {"hour": 5, "minute": 13, "second": 30}
